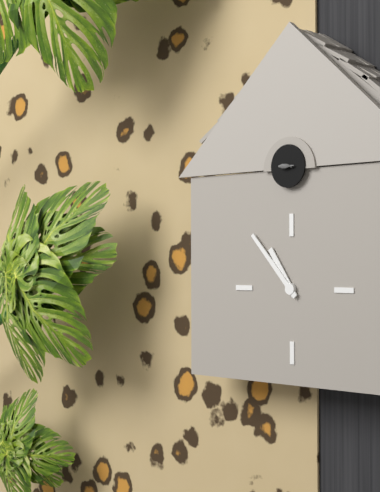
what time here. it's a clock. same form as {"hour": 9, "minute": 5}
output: {"hour": 10, "minute": 53}
